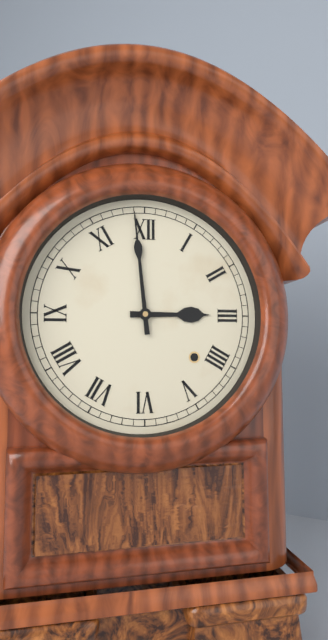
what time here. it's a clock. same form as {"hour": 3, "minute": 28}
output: {"hour": 2, "minute": 59}
